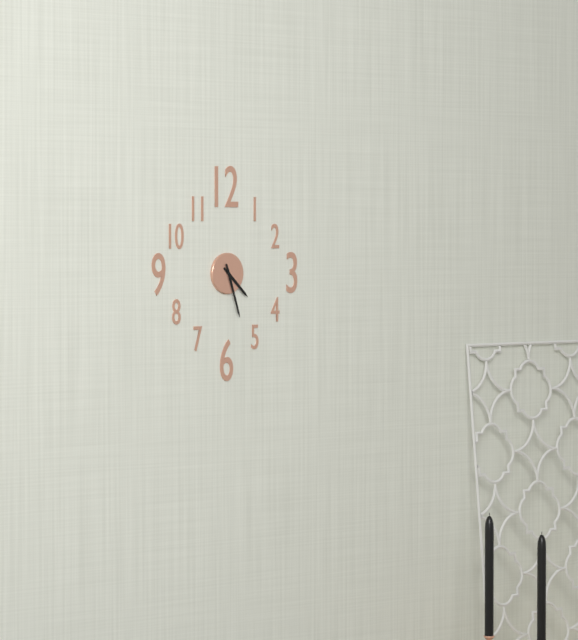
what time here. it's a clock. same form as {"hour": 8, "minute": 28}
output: {"hour": 4, "minute": 27}
